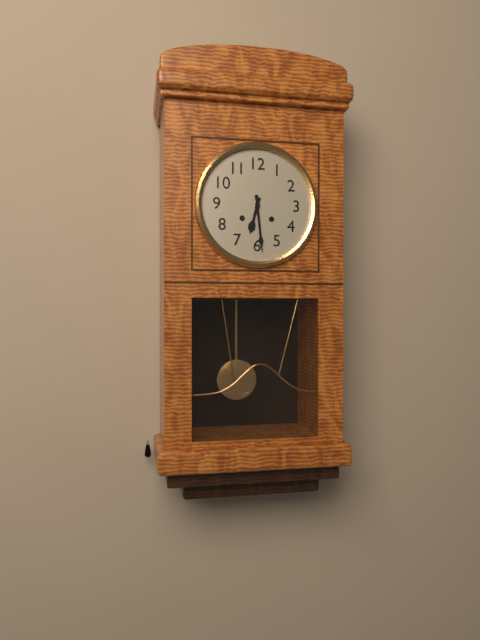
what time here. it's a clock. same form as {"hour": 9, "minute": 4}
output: {"hour": 6, "minute": 29}
